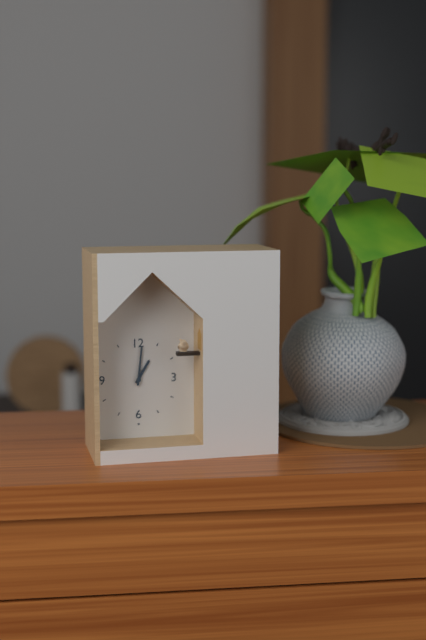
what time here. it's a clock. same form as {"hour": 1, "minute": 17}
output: {"hour": 1, "minute": 1}
